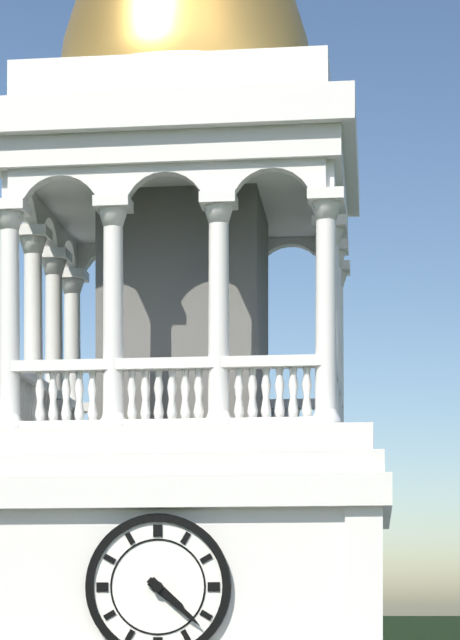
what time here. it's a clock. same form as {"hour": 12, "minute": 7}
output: {"hour": 4, "minute": 22}
